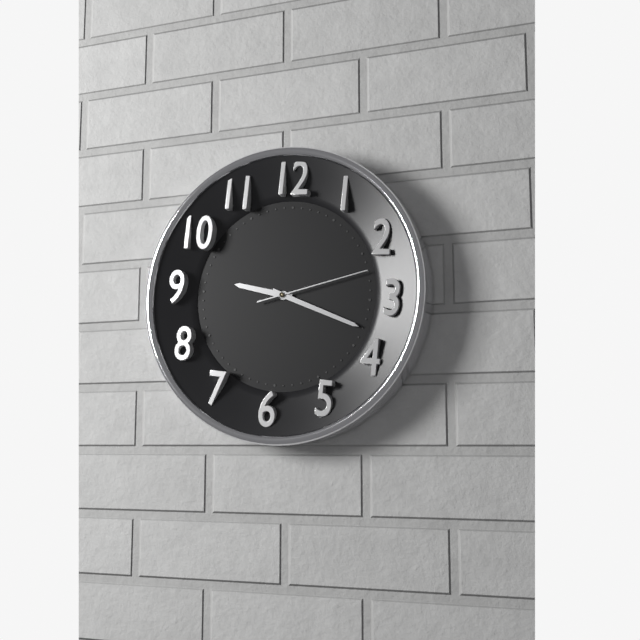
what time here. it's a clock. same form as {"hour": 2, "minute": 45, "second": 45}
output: {"hour": 9, "minute": 18, "second": 12}
